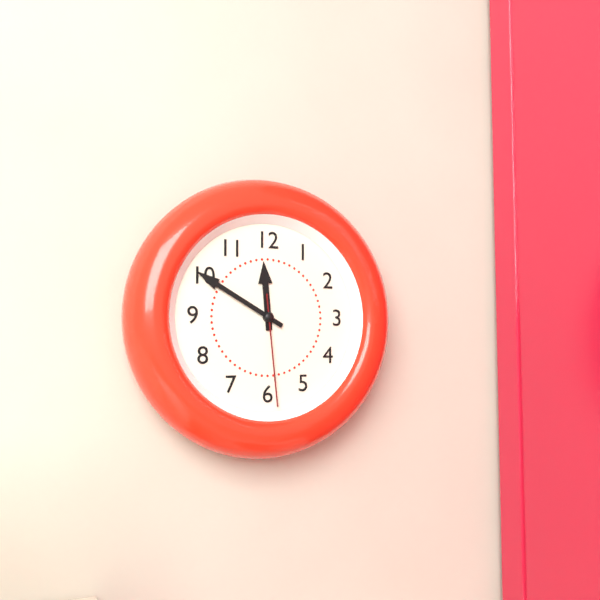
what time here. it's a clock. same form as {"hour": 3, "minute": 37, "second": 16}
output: {"hour": 11, "minute": 50, "second": 29}
